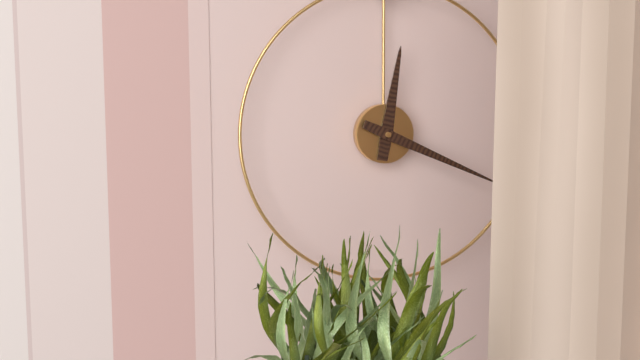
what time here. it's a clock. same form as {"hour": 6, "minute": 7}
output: {"hour": 12, "minute": 19}
